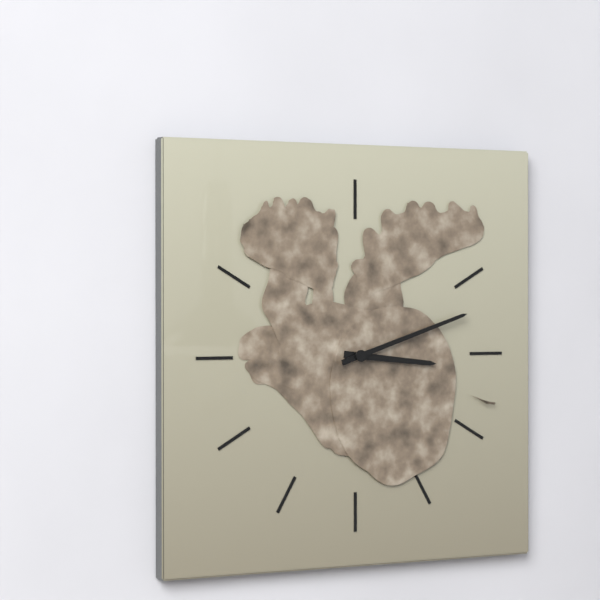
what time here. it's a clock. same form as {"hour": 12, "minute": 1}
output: {"hour": 3, "minute": 12}
